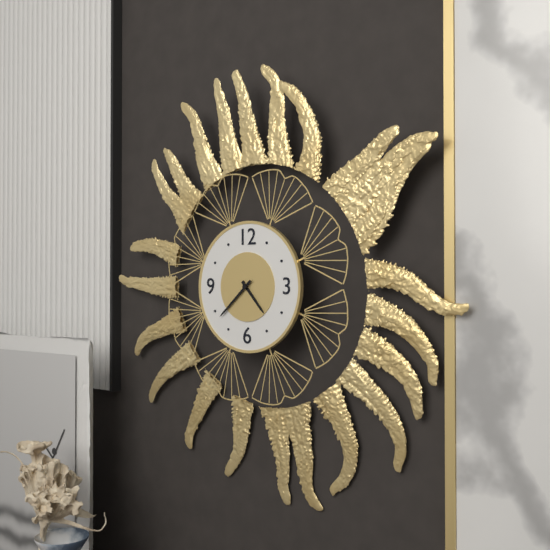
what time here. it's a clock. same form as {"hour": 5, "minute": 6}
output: {"hour": 4, "minute": 38}
